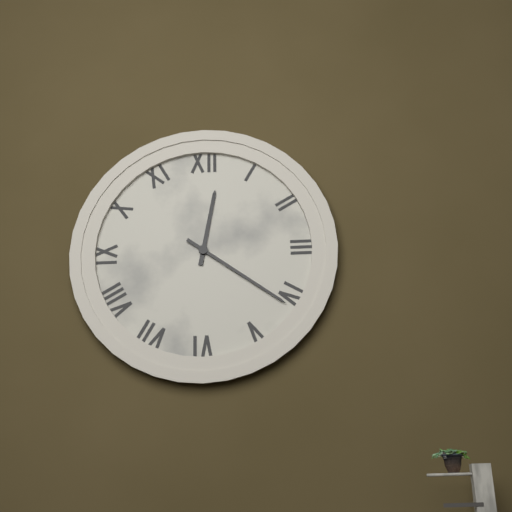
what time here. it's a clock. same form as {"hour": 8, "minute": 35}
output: {"hour": 12, "minute": 21}
